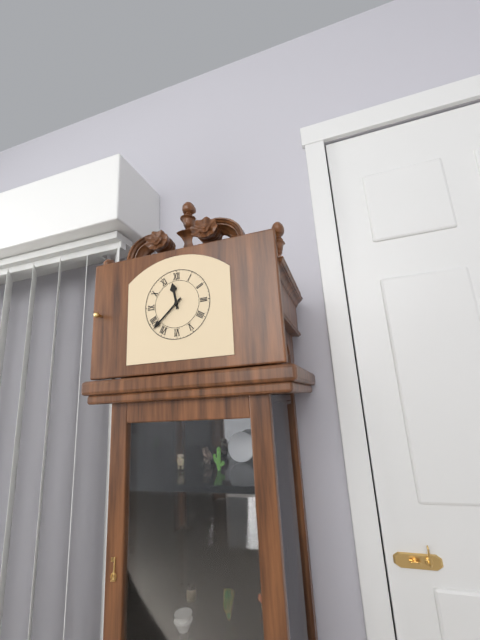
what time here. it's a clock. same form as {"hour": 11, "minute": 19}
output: {"hour": 11, "minute": 38}
